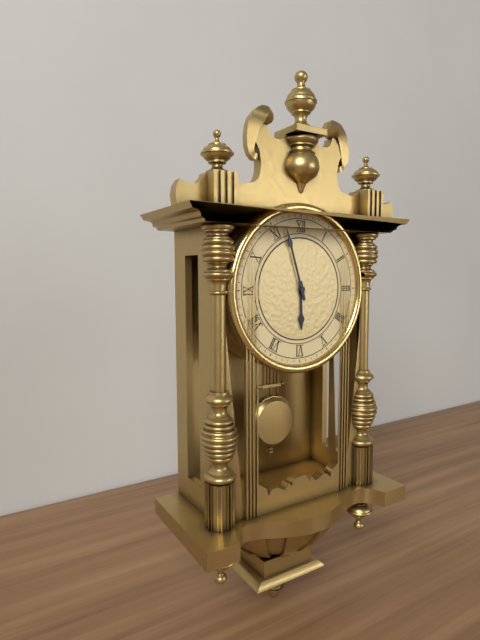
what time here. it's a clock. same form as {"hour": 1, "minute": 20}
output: {"hour": 5, "minute": 57}
